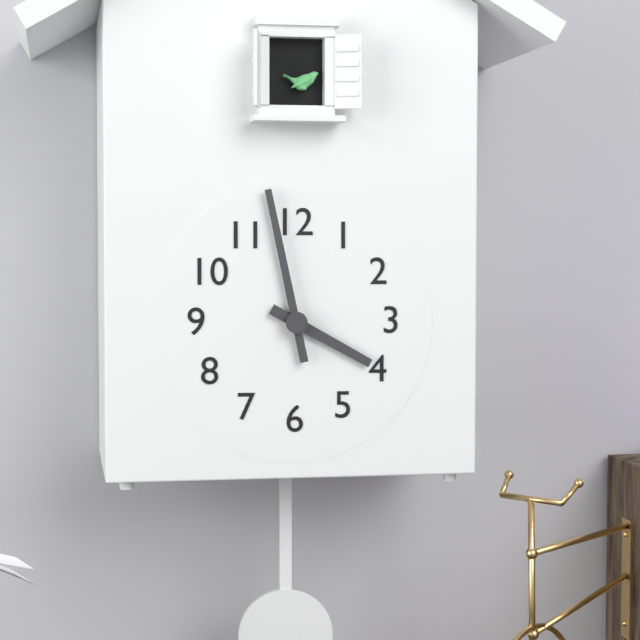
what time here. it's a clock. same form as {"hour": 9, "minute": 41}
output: {"hour": 3, "minute": 58}
